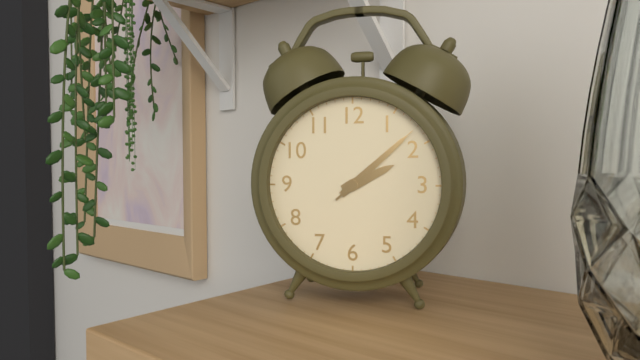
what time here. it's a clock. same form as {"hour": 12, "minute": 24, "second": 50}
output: {"hour": 2, "minute": 8, "second": 8}
